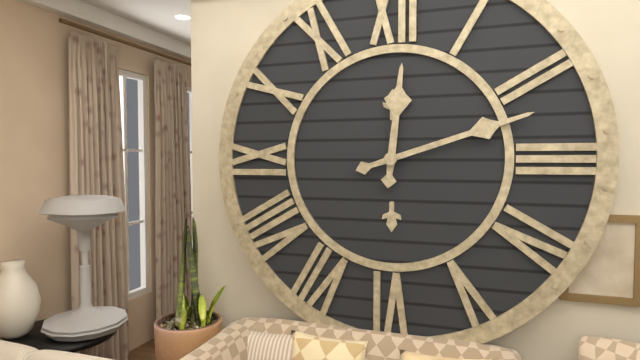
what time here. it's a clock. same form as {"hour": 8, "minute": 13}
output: {"hour": 12, "minute": 12}
